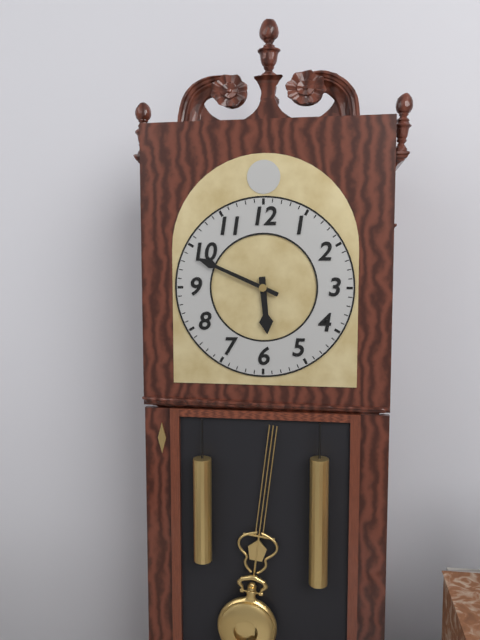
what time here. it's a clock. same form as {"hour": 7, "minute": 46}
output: {"hour": 5, "minute": 49}
